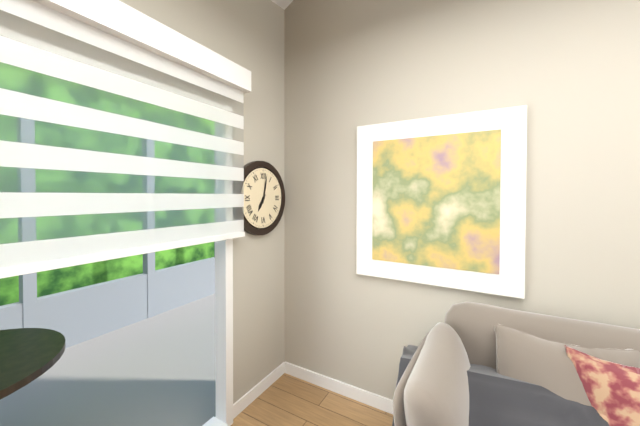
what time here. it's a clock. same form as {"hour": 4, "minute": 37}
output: {"hour": 7, "minute": 2}
